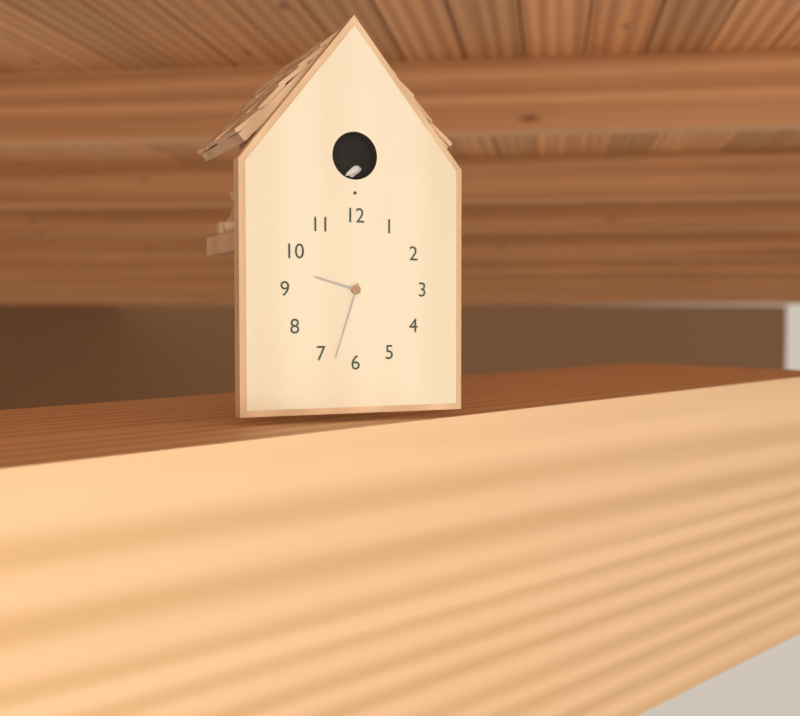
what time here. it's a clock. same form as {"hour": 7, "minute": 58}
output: {"hour": 9, "minute": 33}
